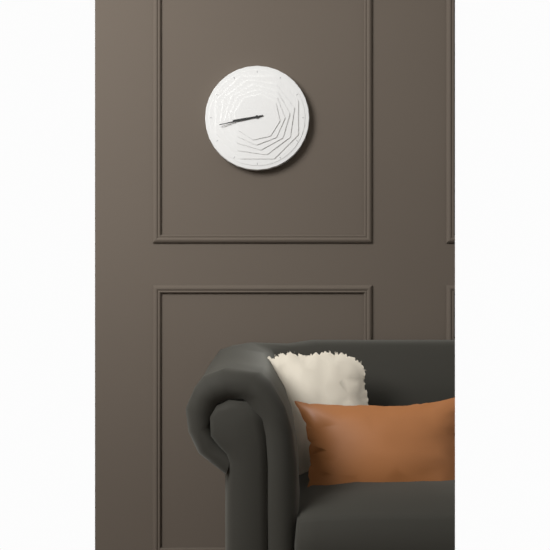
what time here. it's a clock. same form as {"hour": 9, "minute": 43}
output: {"hour": 8, "minute": 43}
